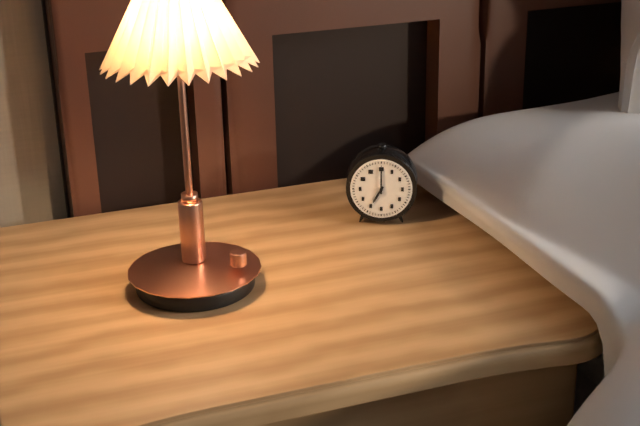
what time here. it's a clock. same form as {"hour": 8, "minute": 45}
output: {"hour": 7, "minute": 0}
